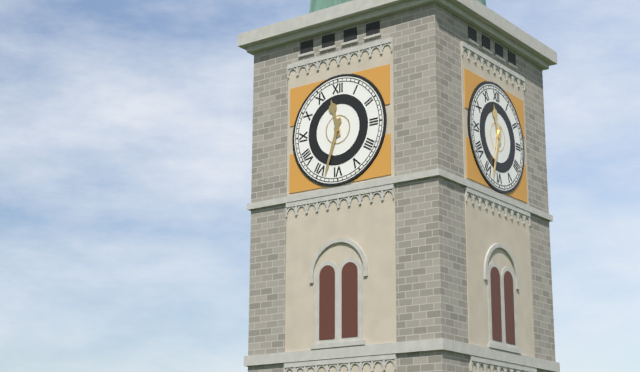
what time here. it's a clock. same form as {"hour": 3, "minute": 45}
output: {"hour": 11, "minute": 33}
